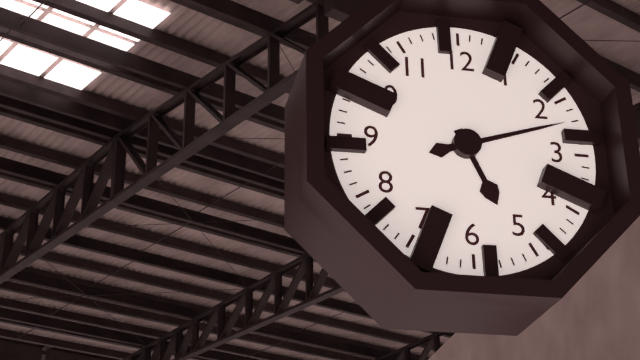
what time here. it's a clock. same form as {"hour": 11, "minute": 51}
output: {"hour": 5, "minute": 12}
